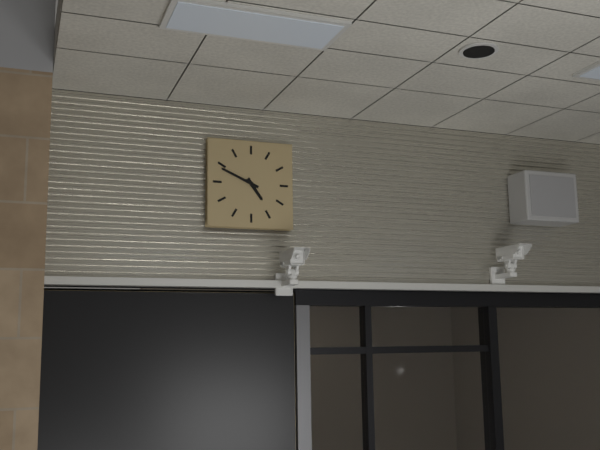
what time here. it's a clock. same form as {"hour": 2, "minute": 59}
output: {"hour": 4, "minute": 49}
